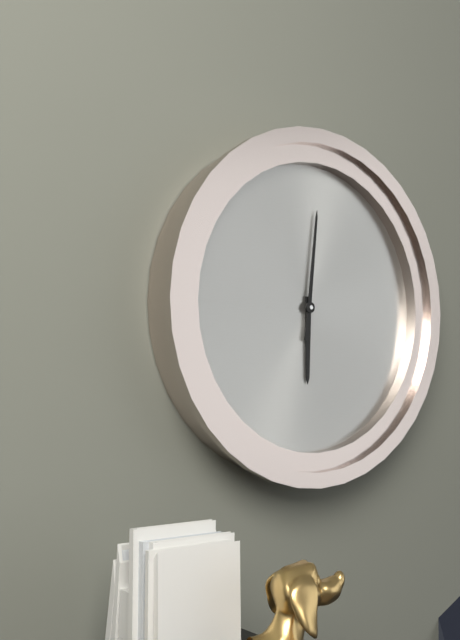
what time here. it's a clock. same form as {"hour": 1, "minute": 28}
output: {"hour": 6, "minute": 1}
